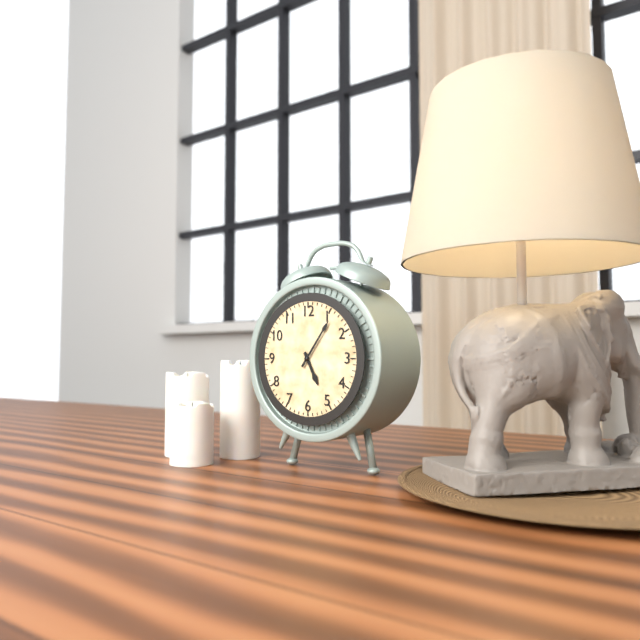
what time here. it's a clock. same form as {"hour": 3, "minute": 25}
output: {"hour": 5, "minute": 6}
